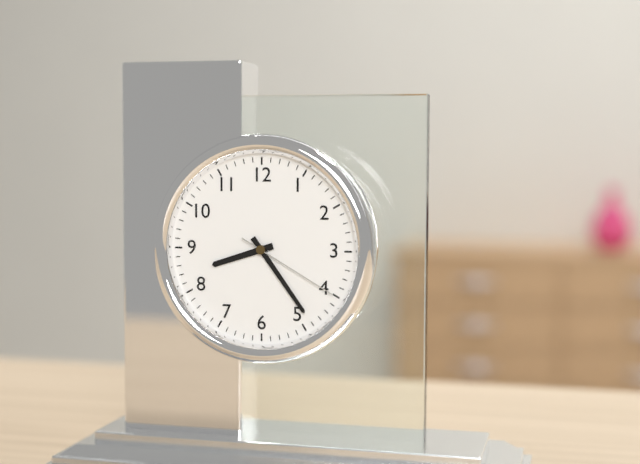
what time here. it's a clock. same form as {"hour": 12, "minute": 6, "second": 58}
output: {"hour": 8, "minute": 24, "second": 20}
